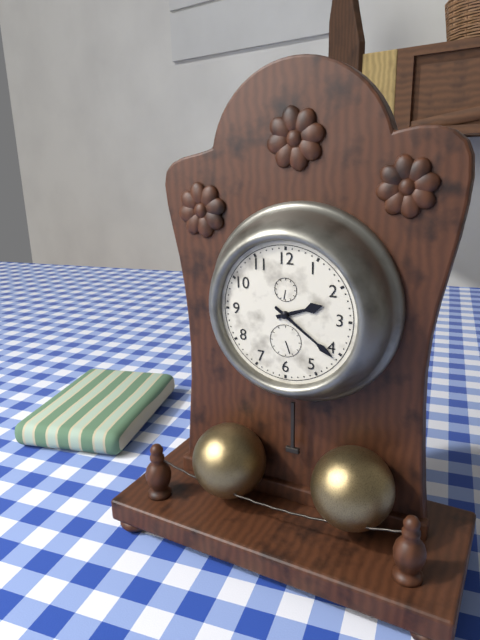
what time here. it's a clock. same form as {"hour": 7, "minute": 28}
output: {"hour": 2, "minute": 21}
